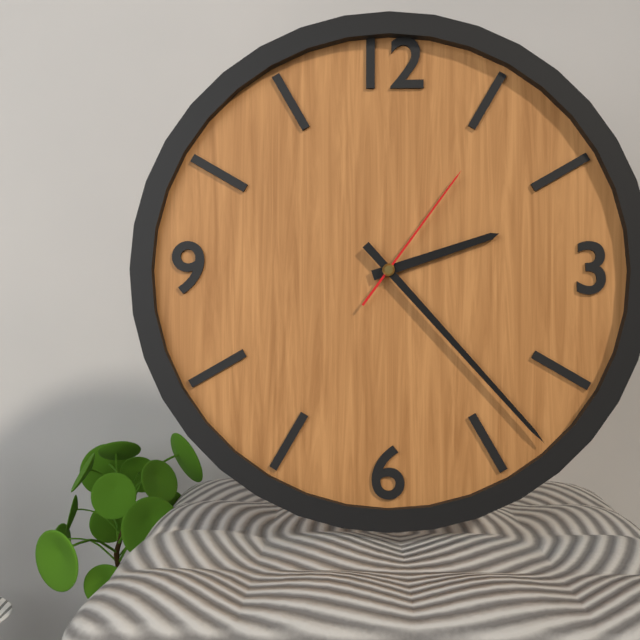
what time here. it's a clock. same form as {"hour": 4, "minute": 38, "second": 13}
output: {"hour": 2, "minute": 23, "second": 6}
